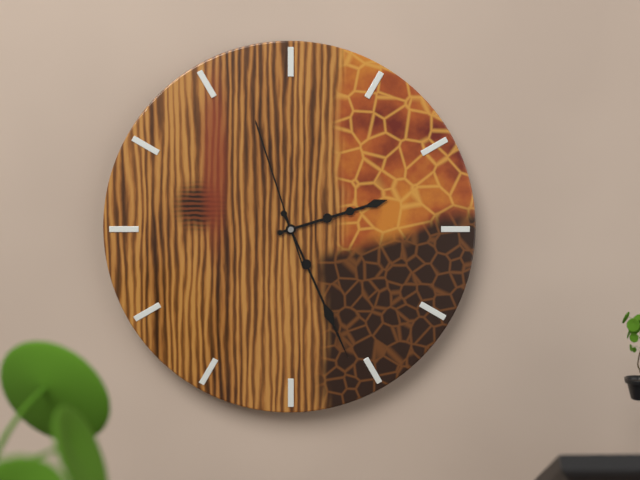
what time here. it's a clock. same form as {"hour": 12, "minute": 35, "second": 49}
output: {"hour": 2, "minute": 26, "second": 57}
